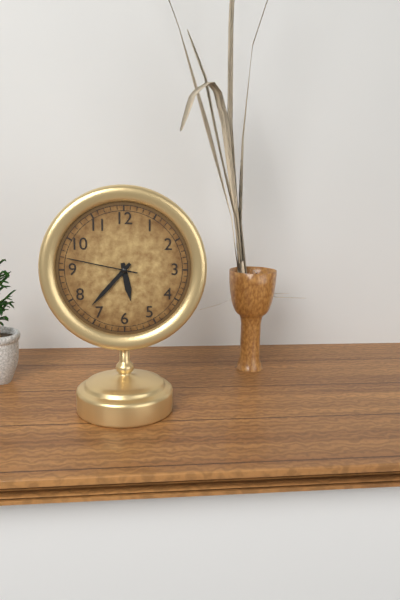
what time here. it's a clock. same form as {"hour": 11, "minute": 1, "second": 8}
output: {"hour": 5, "minute": 37, "second": 47}
